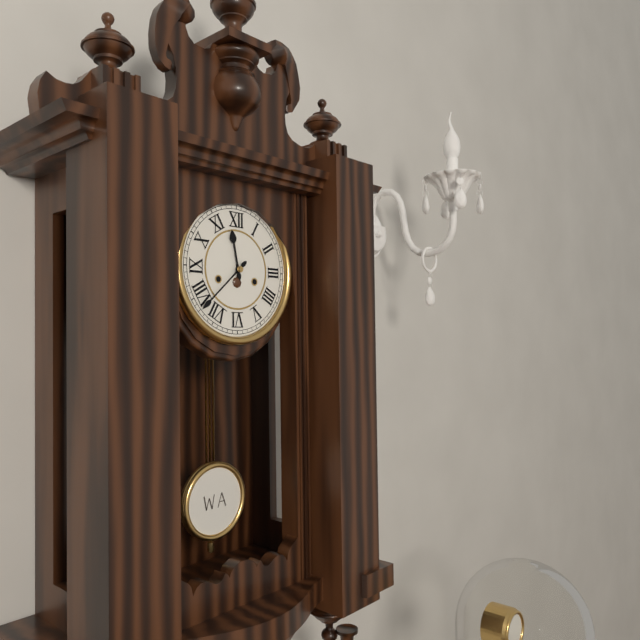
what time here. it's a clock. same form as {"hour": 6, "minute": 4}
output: {"hour": 11, "minute": 38}
